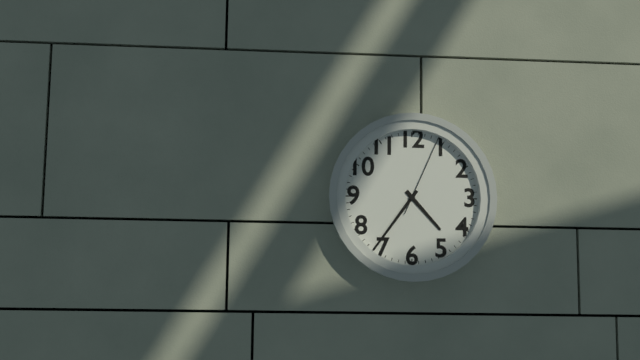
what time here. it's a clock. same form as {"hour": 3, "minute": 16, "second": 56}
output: {"hour": 4, "minute": 36, "second": 4}
